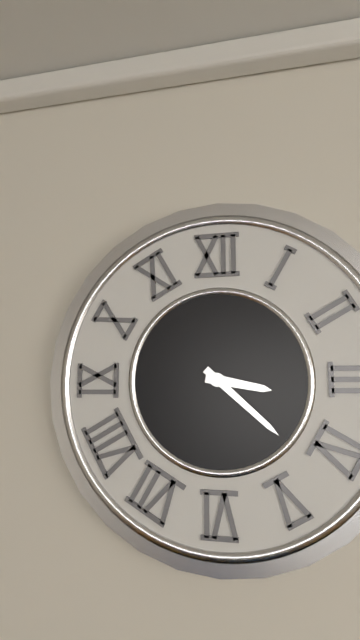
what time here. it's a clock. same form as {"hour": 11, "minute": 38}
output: {"hour": 3, "minute": 22}
